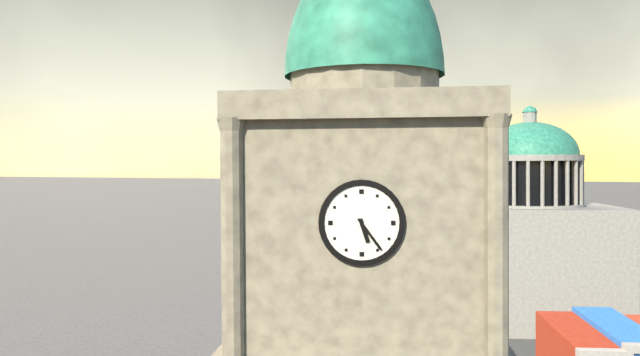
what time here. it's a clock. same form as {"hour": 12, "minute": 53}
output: {"hour": 5, "minute": 24}
